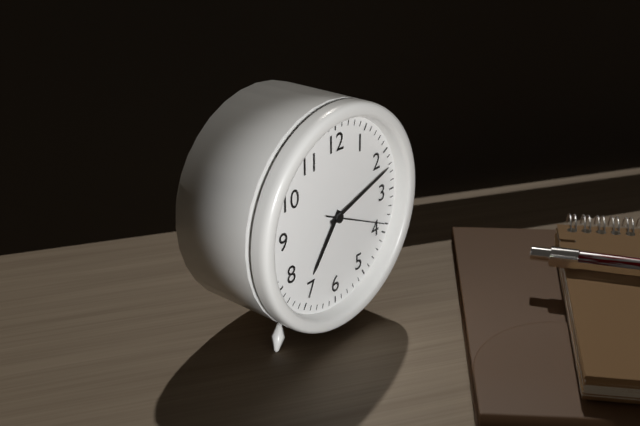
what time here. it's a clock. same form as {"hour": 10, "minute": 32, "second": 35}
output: {"hour": 7, "minute": 12, "second": 19}
